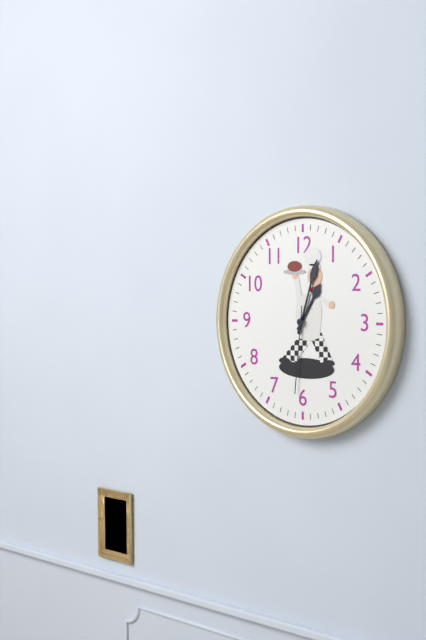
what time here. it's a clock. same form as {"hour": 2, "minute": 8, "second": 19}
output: {"hour": 1, "minute": 3, "second": 31}
